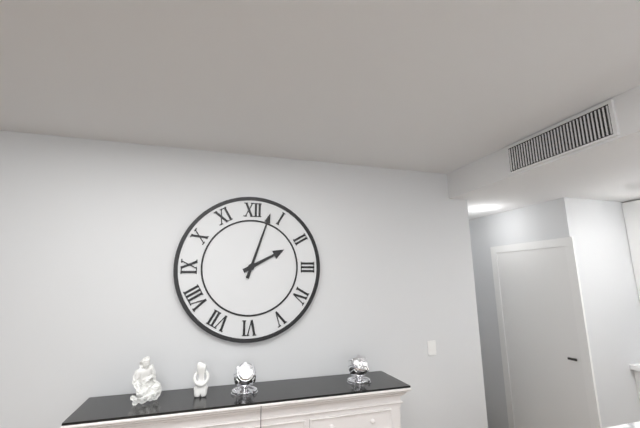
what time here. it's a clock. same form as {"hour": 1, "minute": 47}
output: {"hour": 2, "minute": 3}
